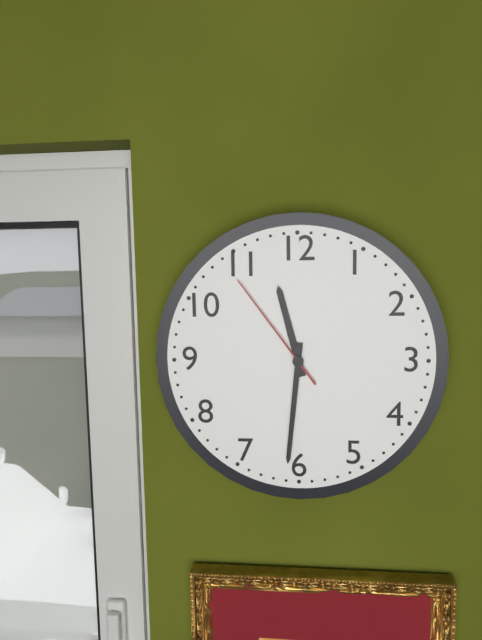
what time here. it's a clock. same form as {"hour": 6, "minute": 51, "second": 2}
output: {"hour": 11, "minute": 31, "second": 54}
